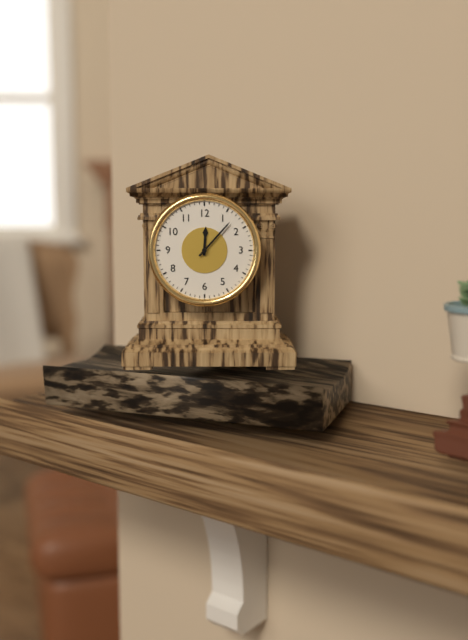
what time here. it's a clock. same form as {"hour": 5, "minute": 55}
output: {"hour": 12, "minute": 7}
